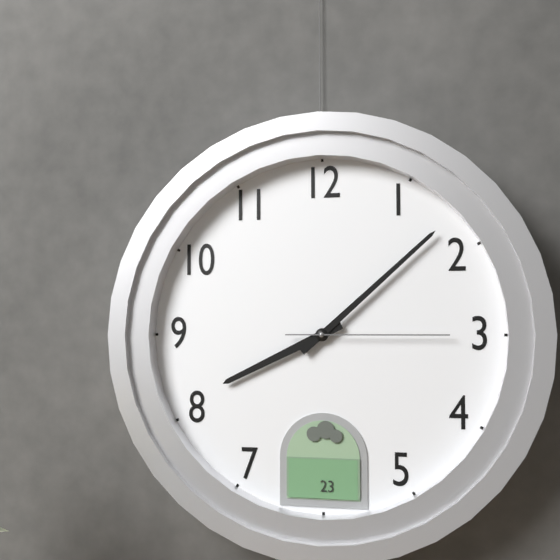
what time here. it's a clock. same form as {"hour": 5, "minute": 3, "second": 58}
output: {"hour": 8, "minute": 8, "second": 15}
